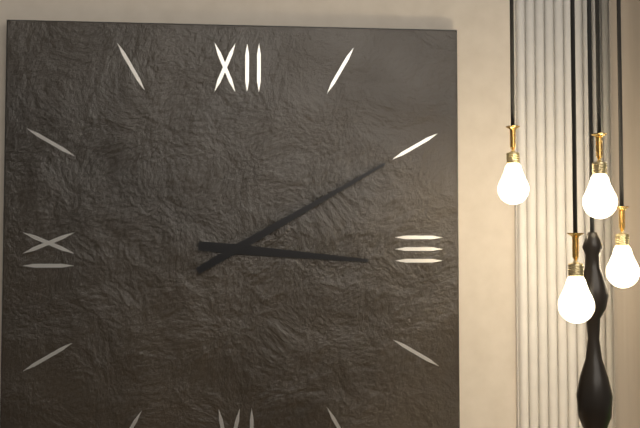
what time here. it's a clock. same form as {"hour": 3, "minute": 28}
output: {"hour": 3, "minute": 10}
